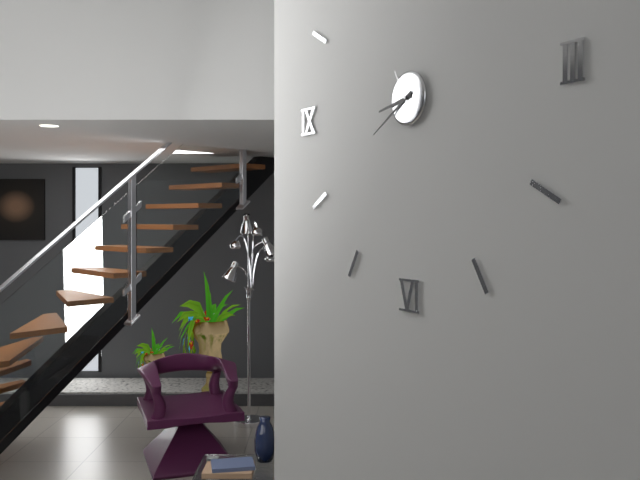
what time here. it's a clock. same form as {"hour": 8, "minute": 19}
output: {"hour": 8, "minute": 40}
